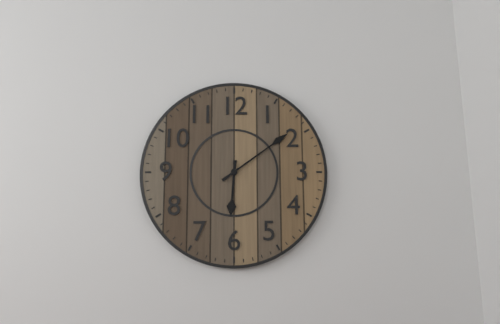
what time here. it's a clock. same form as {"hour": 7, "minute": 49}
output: {"hour": 6, "minute": 9}
